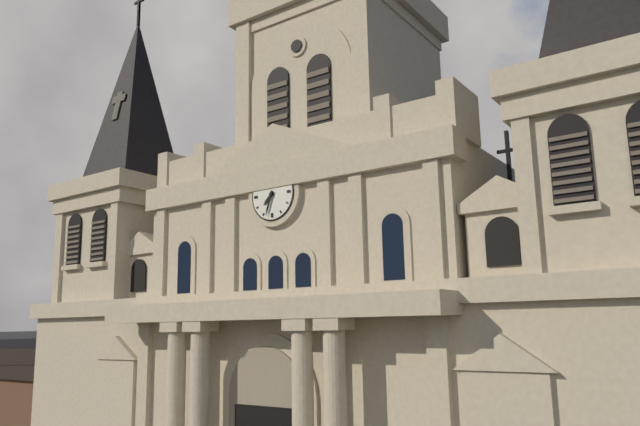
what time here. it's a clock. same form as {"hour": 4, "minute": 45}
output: {"hour": 7, "minute": 33}
